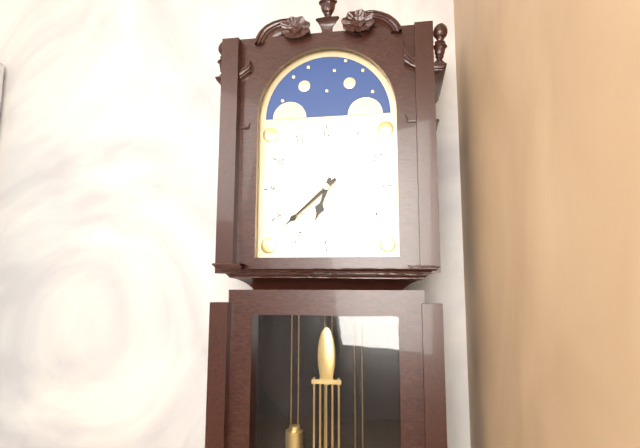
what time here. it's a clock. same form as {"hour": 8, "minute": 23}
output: {"hour": 6, "minute": 38}
